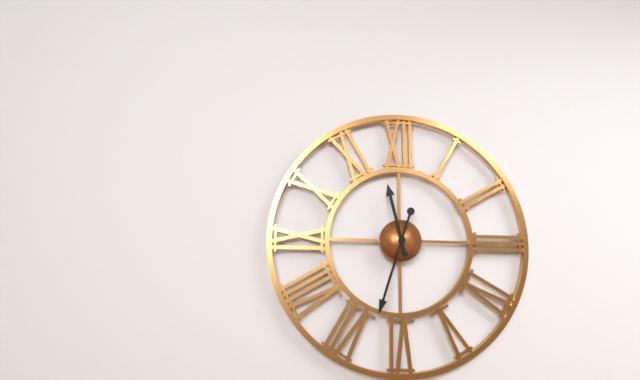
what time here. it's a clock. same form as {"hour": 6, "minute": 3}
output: {"hour": 11, "minute": 33}
